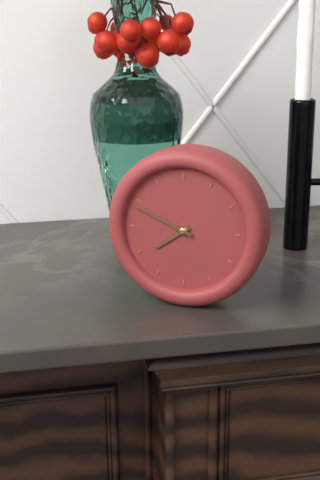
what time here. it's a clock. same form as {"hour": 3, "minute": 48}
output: {"hour": 7, "minute": 49}
